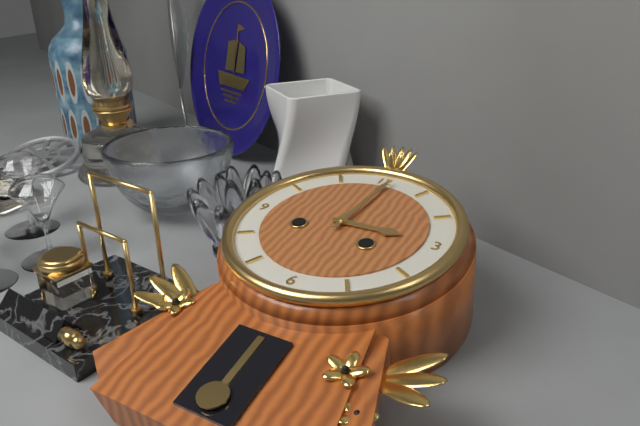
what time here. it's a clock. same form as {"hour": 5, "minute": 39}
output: {"hour": 3, "minute": 1}
